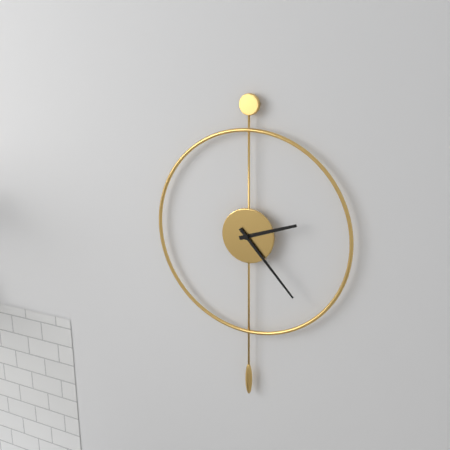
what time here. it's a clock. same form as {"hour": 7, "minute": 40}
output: {"hour": 2, "minute": 23}
